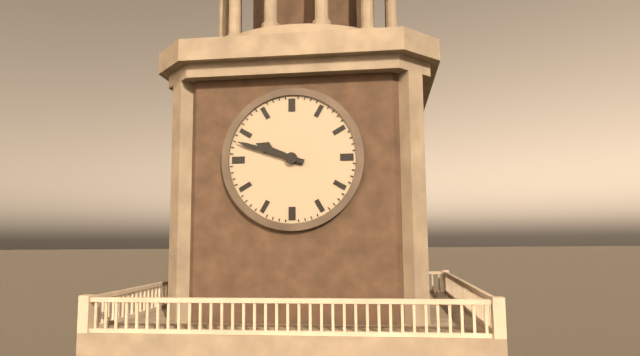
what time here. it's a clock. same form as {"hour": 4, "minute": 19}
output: {"hour": 9, "minute": 48}
